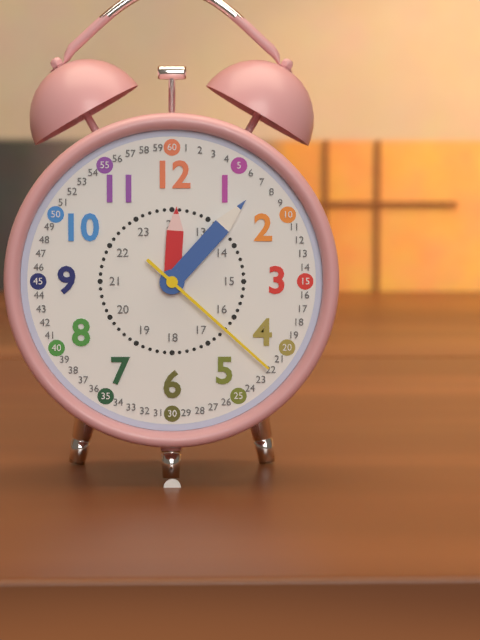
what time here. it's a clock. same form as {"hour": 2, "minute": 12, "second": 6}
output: {"hour": 12, "minute": 7, "second": 22}
